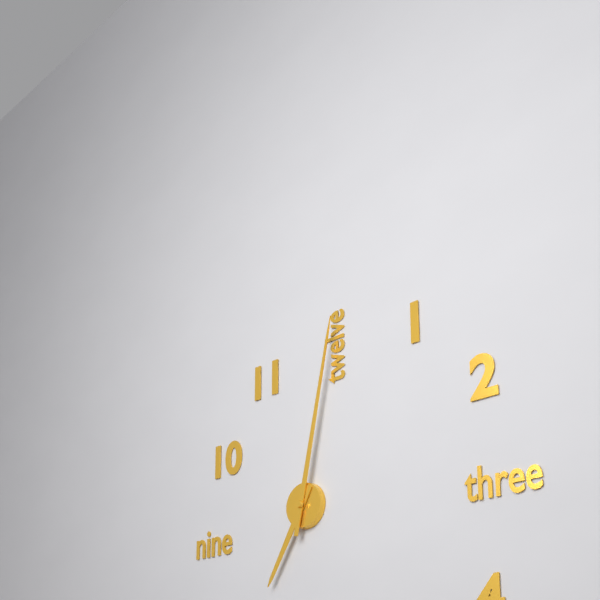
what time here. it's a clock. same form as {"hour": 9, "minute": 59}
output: {"hour": 7, "minute": 2}
